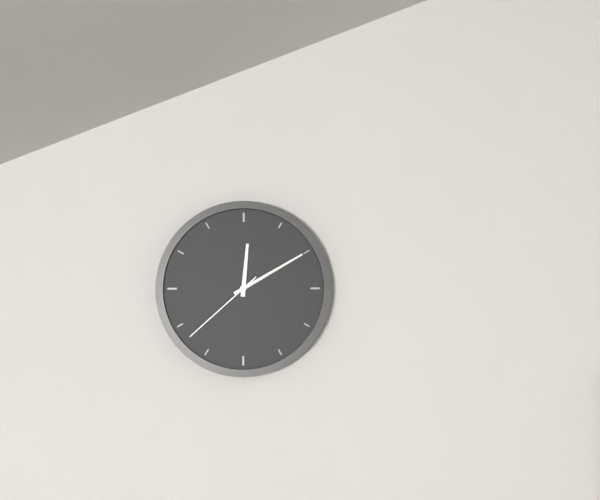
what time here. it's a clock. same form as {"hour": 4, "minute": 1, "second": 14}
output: {"hour": 12, "minute": 10, "second": 38}
